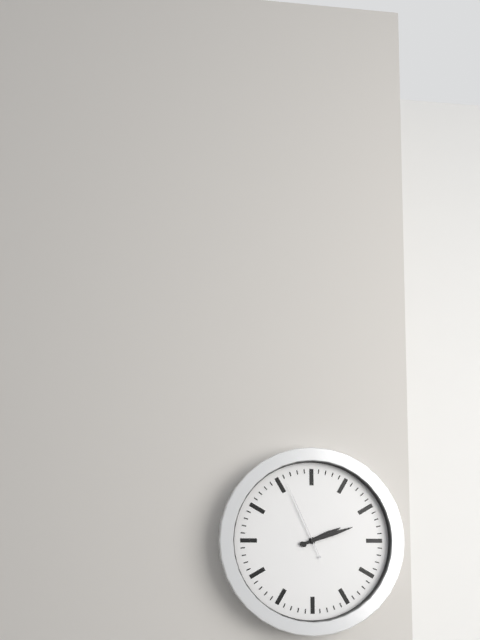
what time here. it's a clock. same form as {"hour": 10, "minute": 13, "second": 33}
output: {"hour": 2, "minute": 12, "second": 56}
